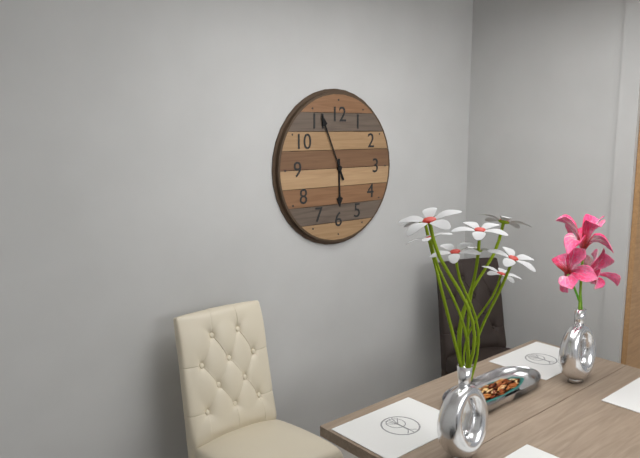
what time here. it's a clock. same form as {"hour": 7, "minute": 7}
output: {"hour": 5, "minute": 56}
